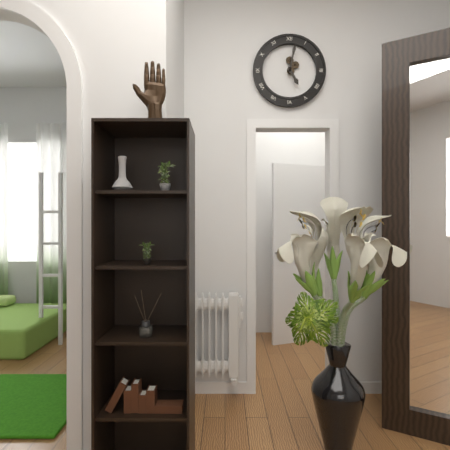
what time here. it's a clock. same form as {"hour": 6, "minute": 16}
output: {"hour": 5, "minute": 2}
